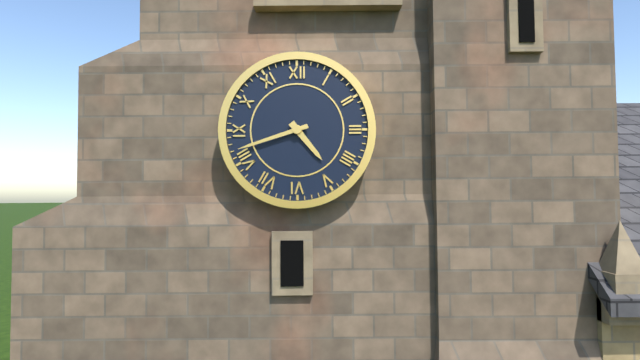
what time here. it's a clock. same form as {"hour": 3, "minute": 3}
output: {"hour": 4, "minute": 42}
